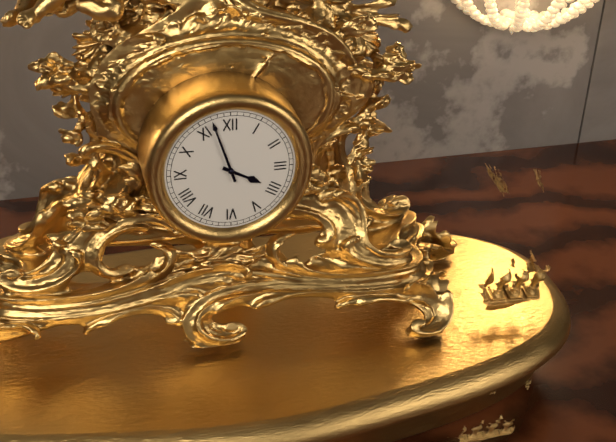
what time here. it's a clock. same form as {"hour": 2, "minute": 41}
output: {"hour": 3, "minute": 57}
